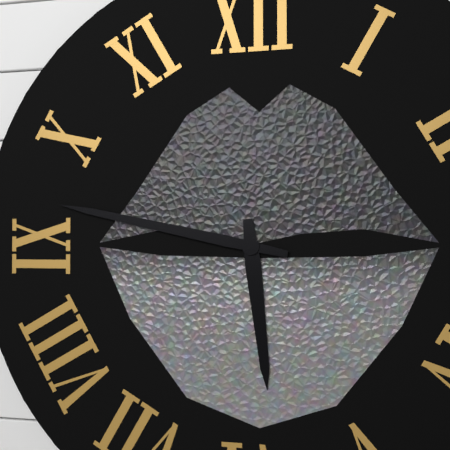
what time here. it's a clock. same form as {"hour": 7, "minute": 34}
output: {"hour": 5, "minute": 47}
